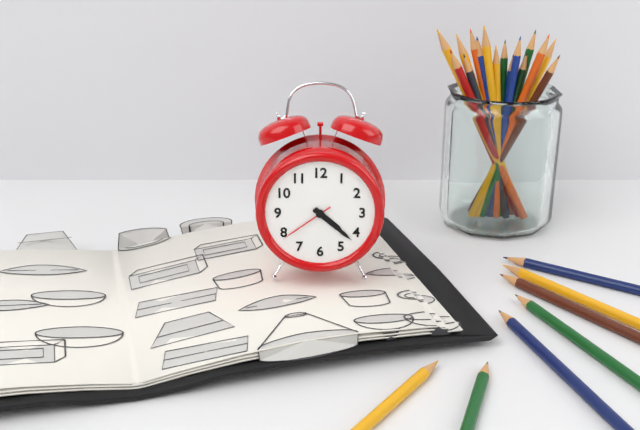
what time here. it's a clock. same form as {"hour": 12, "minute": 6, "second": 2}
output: {"hour": 4, "minute": 22, "second": 39}
